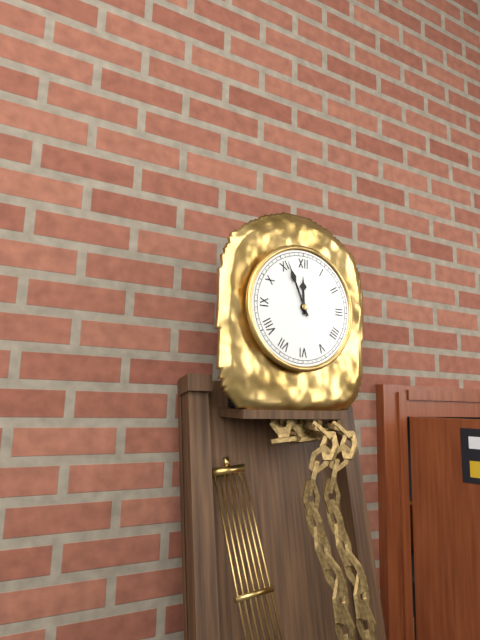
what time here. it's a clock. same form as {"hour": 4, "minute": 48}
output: {"hour": 11, "minute": 56}
